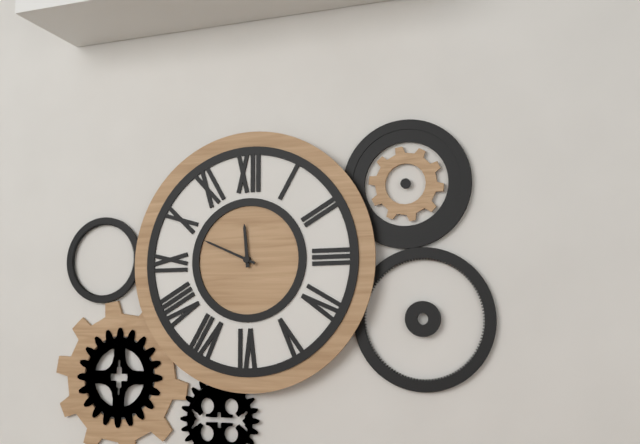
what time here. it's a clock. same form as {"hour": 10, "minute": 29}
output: {"hour": 11, "minute": 49}
